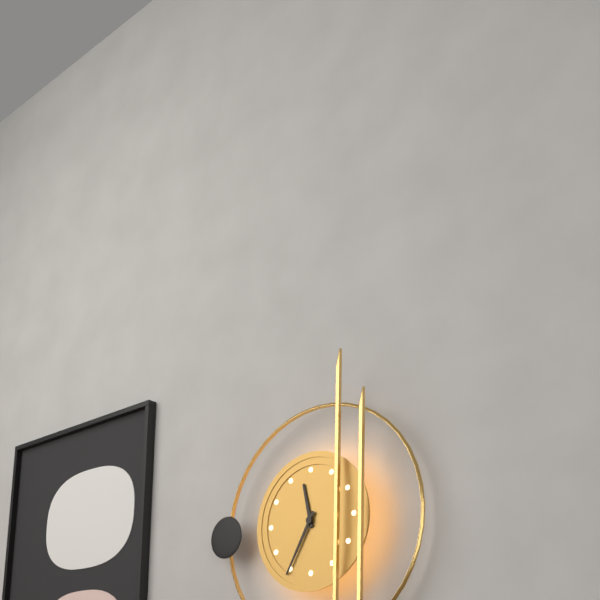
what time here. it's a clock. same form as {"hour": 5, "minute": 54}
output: {"hour": 11, "minute": 35}
